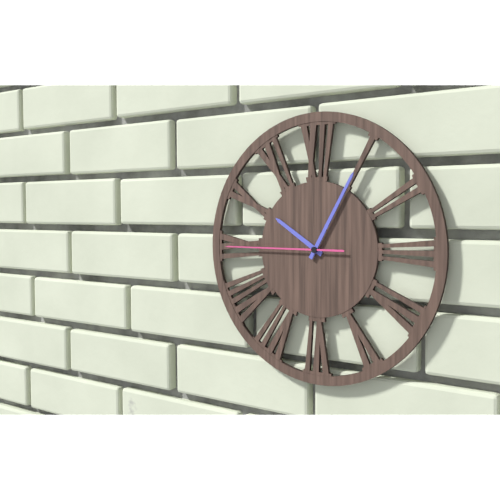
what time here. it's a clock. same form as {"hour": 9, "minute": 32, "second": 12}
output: {"hour": 10, "minute": 5, "second": 45}
